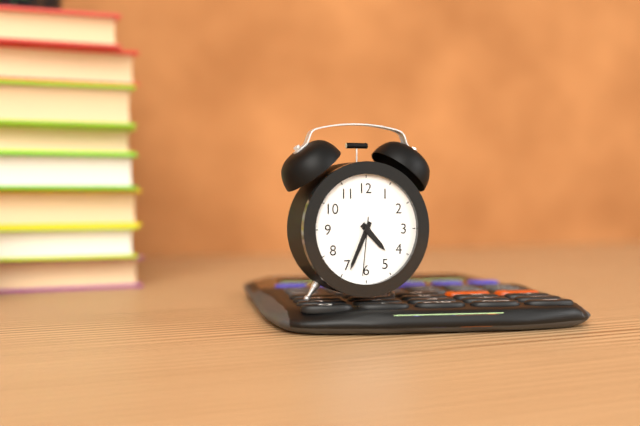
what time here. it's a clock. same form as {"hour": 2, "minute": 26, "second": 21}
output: {"hour": 4, "minute": 34, "second": 31}
